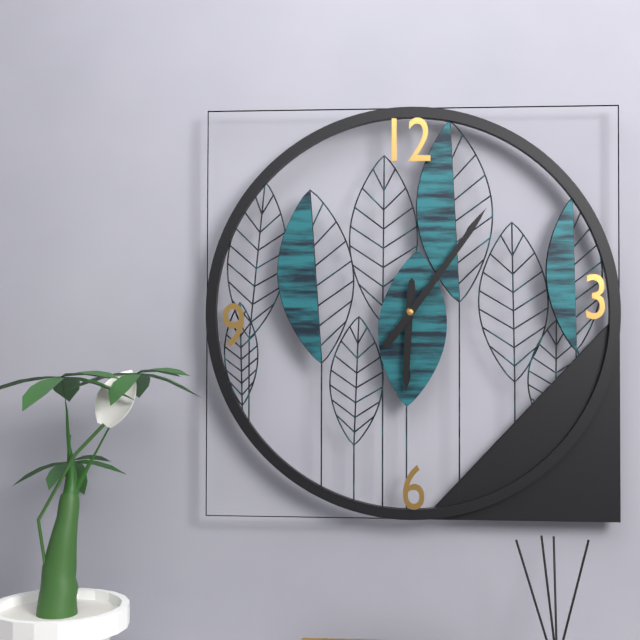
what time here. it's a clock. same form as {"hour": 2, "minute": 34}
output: {"hour": 6, "minute": 6}
